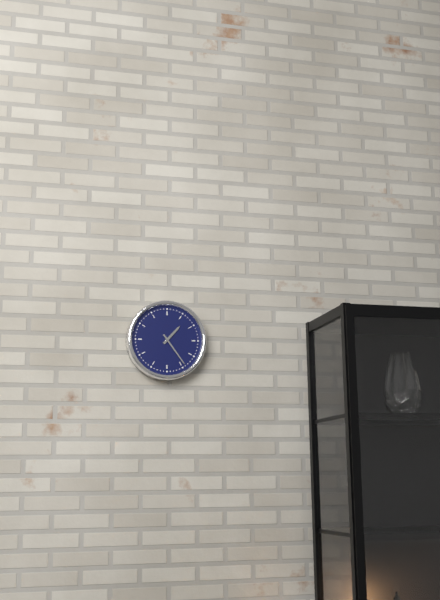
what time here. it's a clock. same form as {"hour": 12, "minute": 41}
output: {"hour": 1, "minute": 24}
